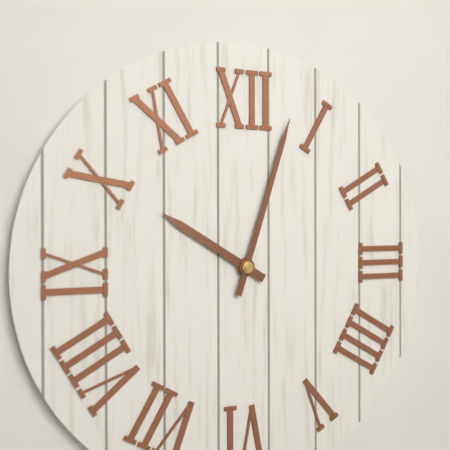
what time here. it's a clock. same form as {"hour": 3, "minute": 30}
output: {"hour": 10, "minute": 3}
